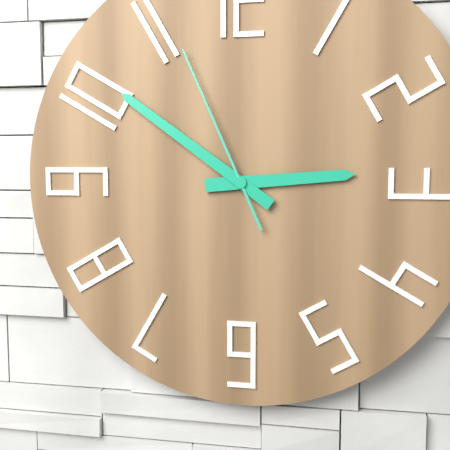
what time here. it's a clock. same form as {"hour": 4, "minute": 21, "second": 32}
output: {"hour": 2, "minute": 51, "second": 56}
